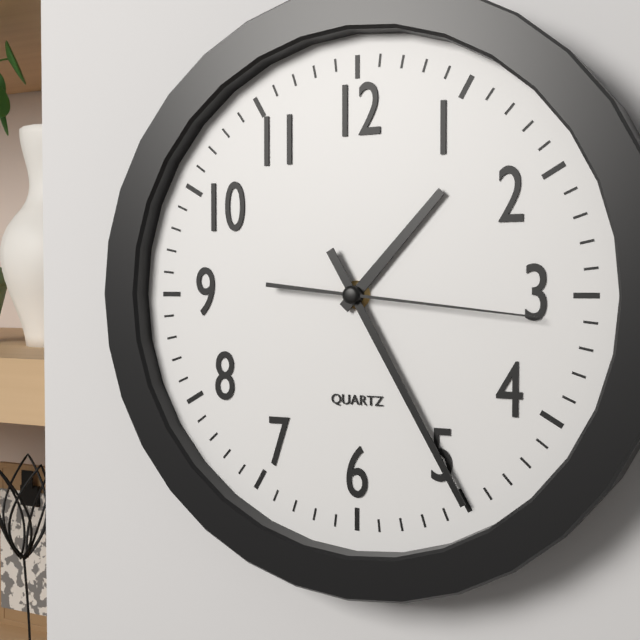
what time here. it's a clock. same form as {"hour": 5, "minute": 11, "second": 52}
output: {"hour": 1, "minute": 25, "second": 16}
